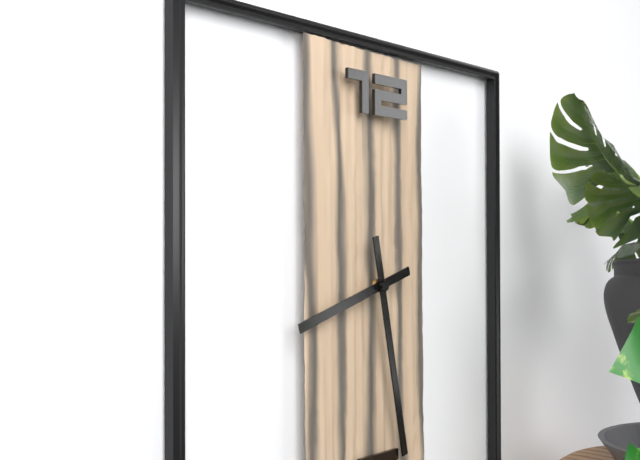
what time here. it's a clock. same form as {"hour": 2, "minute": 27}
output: {"hour": 8, "minute": 28}
